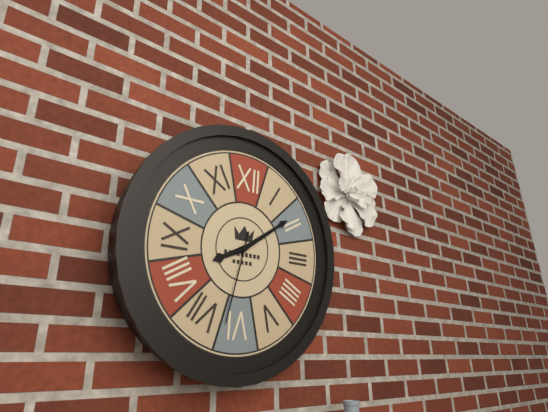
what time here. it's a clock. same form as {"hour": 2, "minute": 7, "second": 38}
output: {"hour": 8, "minute": 9, "second": 32}
